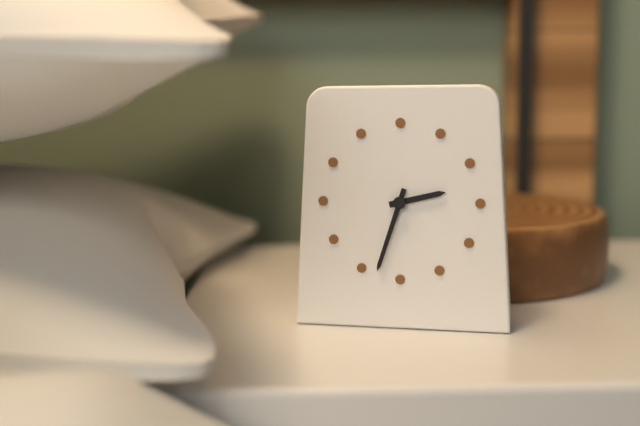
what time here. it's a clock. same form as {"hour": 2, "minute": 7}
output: {"hour": 2, "minute": 33}
